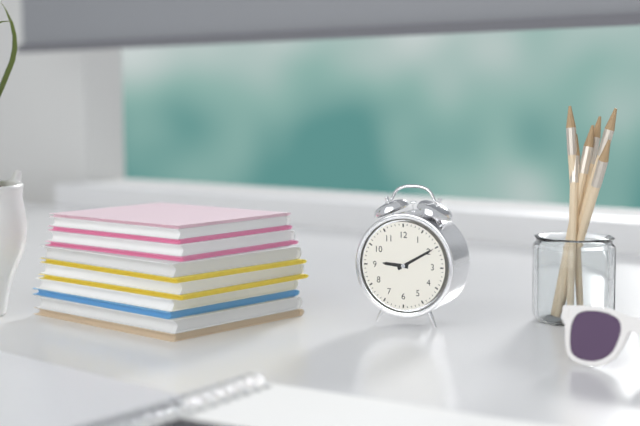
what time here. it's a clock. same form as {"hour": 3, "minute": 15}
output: {"hour": 9, "minute": 10}
